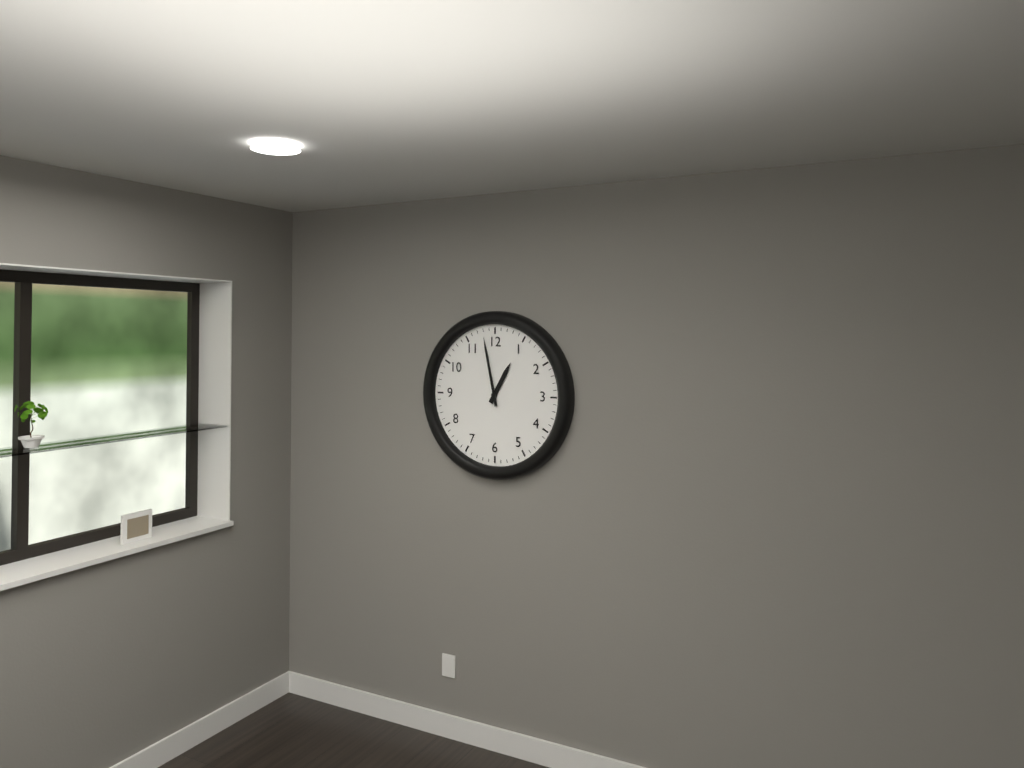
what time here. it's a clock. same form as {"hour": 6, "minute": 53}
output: {"hour": 12, "minute": 58}
